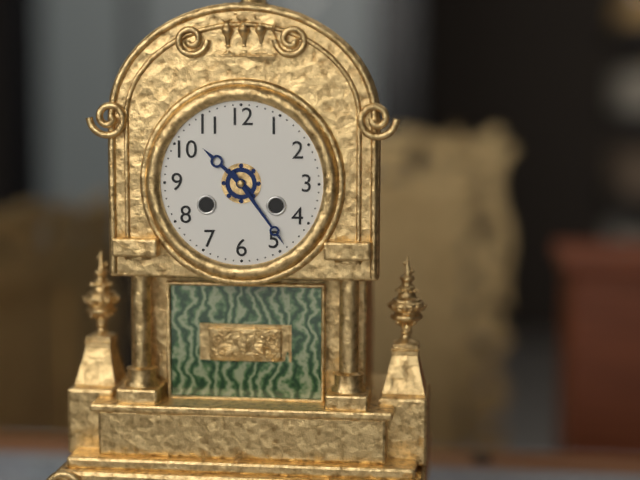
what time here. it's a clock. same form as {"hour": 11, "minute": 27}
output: {"hour": 10, "minute": 24}
